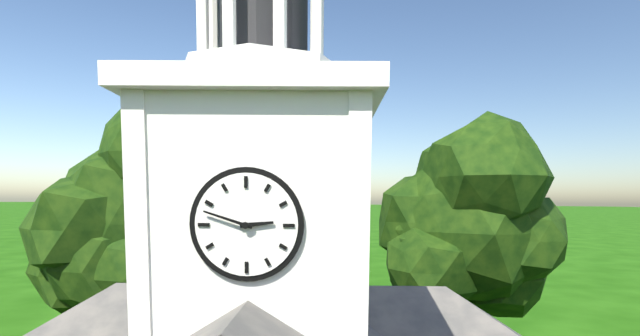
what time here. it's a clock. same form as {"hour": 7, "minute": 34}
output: {"hour": 2, "minute": 48}
